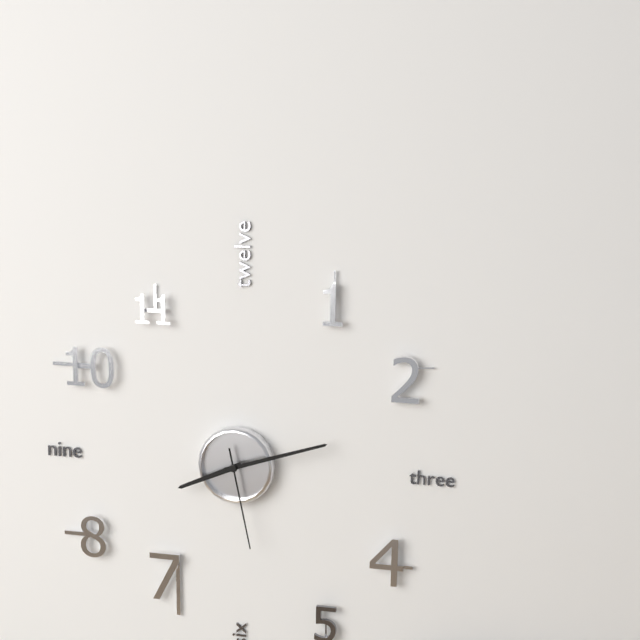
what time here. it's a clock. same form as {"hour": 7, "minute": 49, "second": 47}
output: {"hour": 8, "minute": 12, "second": 28}
